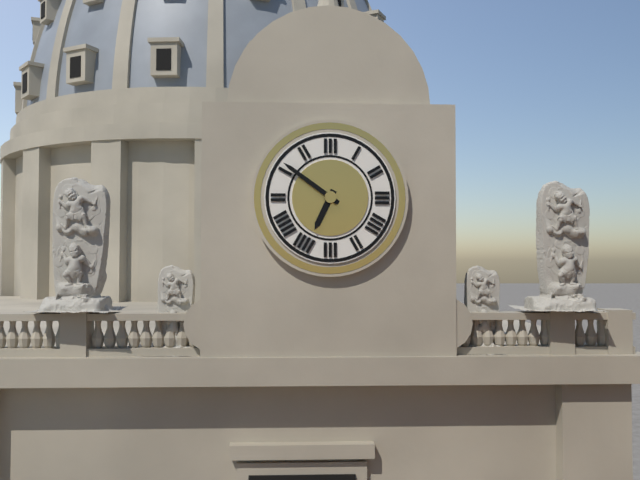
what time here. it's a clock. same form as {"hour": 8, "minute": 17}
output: {"hour": 6, "minute": 51}
